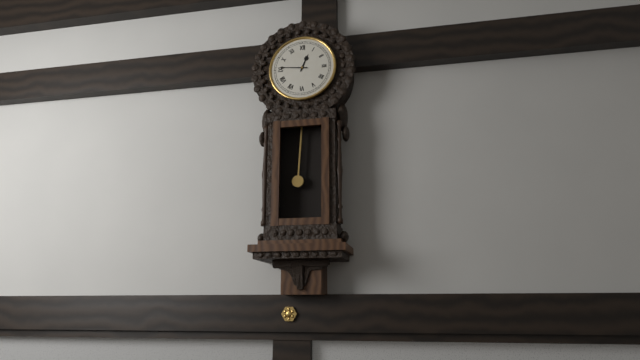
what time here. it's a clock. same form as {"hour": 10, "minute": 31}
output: {"hour": 12, "minute": 46}
